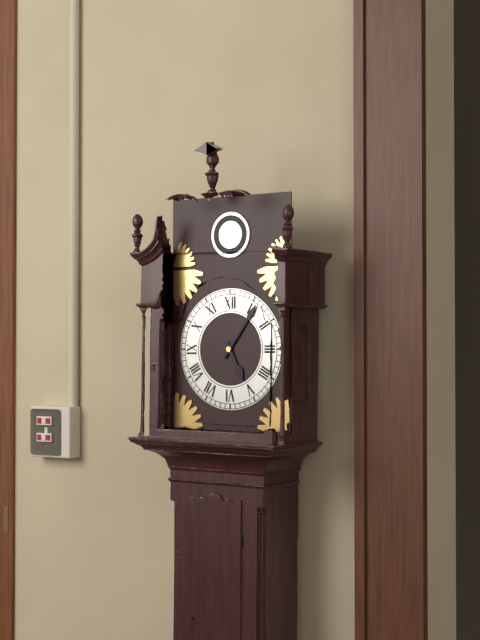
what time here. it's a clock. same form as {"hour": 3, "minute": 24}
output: {"hour": 5, "minute": 6}
